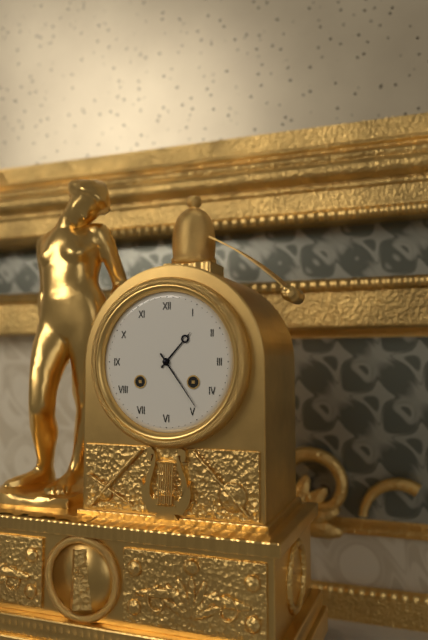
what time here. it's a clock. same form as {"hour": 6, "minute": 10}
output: {"hour": 1, "minute": 24}
